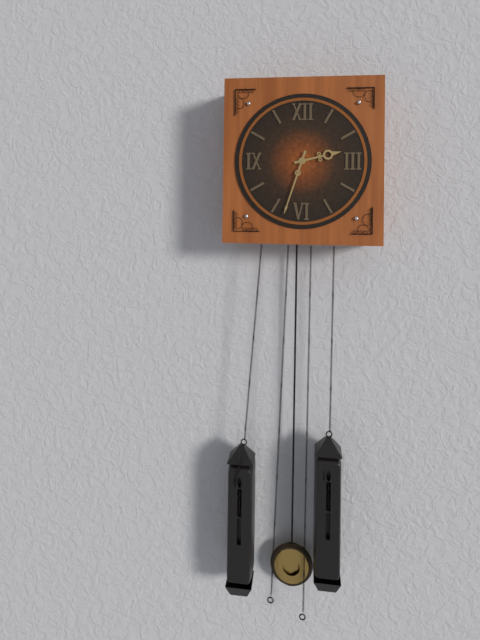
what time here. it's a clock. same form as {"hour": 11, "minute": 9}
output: {"hour": 2, "minute": 33}
